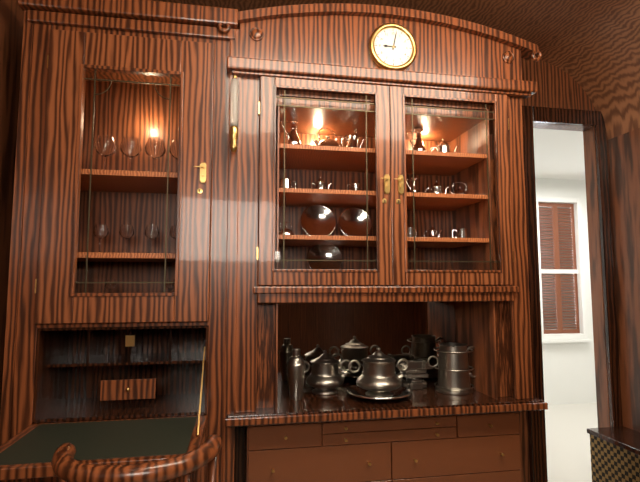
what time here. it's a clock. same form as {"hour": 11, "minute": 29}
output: {"hour": 9, "minute": 2}
